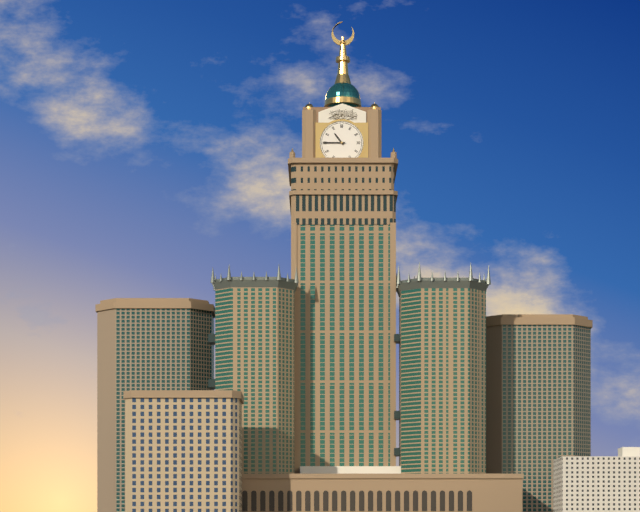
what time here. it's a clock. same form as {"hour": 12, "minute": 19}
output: {"hour": 10, "minute": 45}
